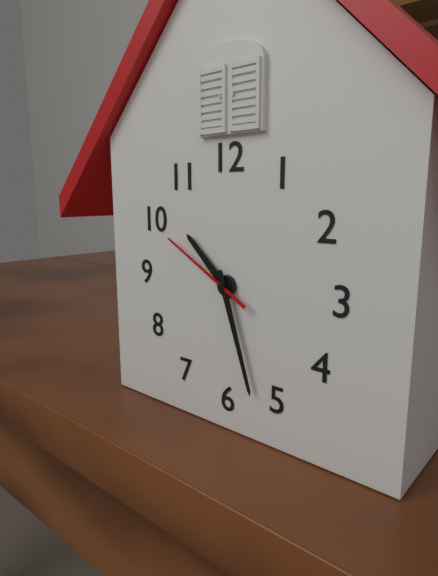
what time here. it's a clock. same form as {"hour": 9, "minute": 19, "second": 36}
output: {"hour": 10, "minute": 27, "second": 50}
